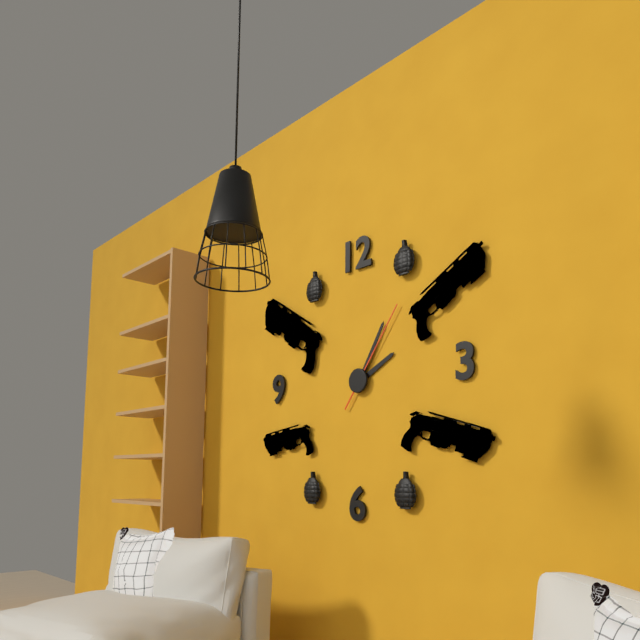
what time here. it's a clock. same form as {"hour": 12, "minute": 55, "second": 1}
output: {"hour": 2, "minute": 5, "second": 6}
